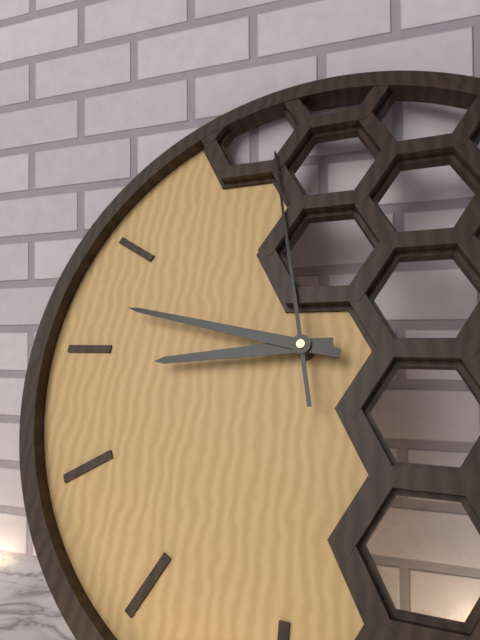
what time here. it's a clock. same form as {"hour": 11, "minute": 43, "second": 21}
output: {"hour": 8, "minute": 47, "second": 58}
